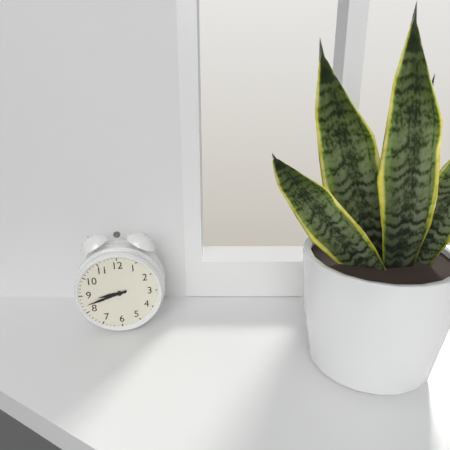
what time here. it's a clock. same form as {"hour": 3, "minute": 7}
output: {"hour": 8, "minute": 42}
